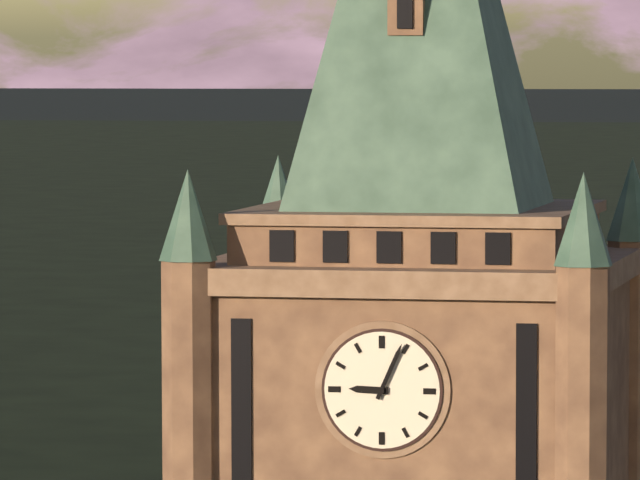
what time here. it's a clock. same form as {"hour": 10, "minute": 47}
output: {"hour": 9, "minute": 4}
